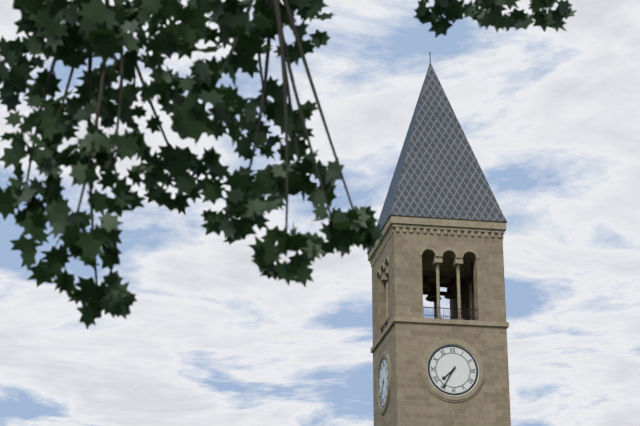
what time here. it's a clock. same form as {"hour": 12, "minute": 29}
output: {"hour": 7, "minute": 35}
